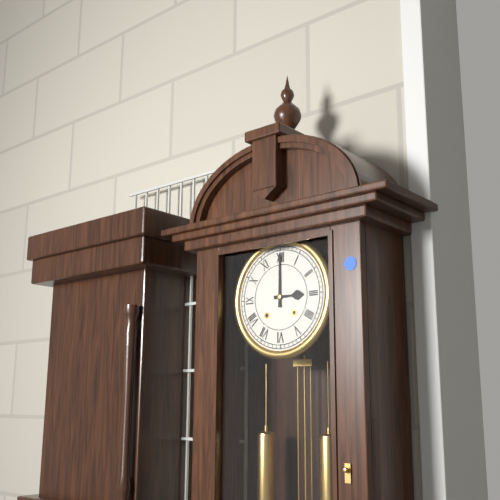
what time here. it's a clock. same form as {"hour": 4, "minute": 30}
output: {"hour": 3, "minute": 0}
